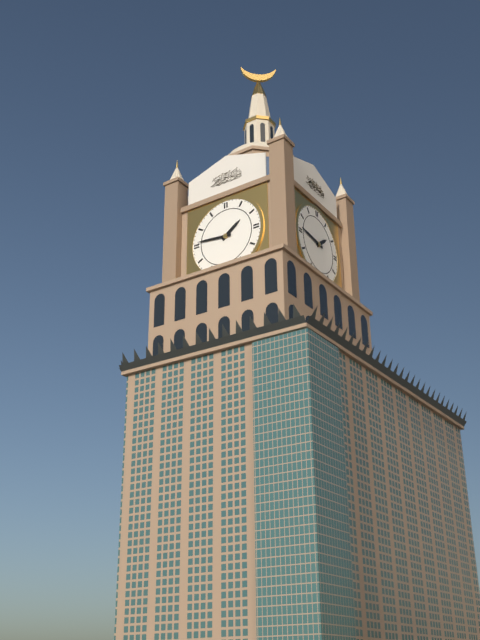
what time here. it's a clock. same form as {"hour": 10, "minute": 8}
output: {"hour": 1, "minute": 46}
